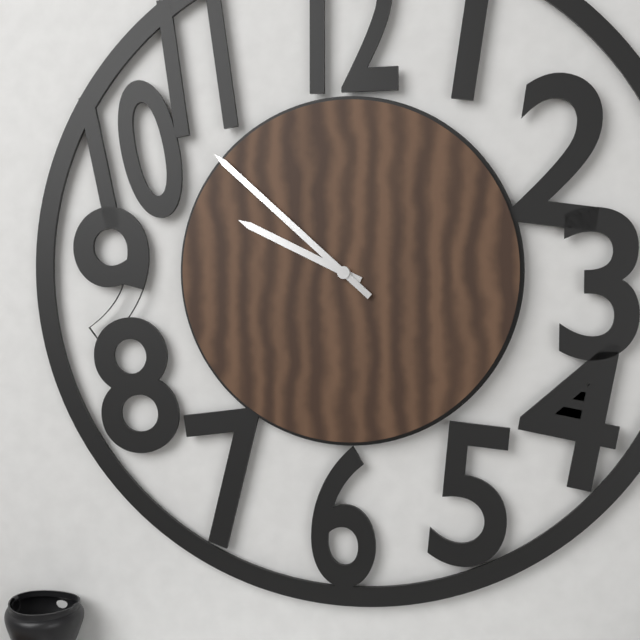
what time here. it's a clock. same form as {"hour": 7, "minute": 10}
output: {"hour": 9, "minute": 52}
